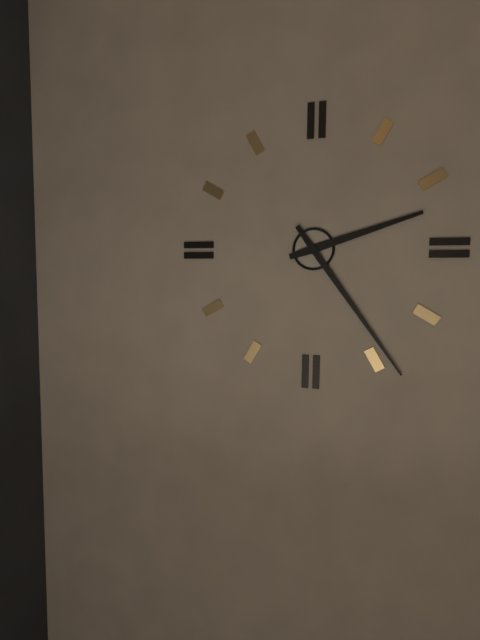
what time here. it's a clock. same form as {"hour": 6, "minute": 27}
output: {"hour": 2, "minute": 24}
